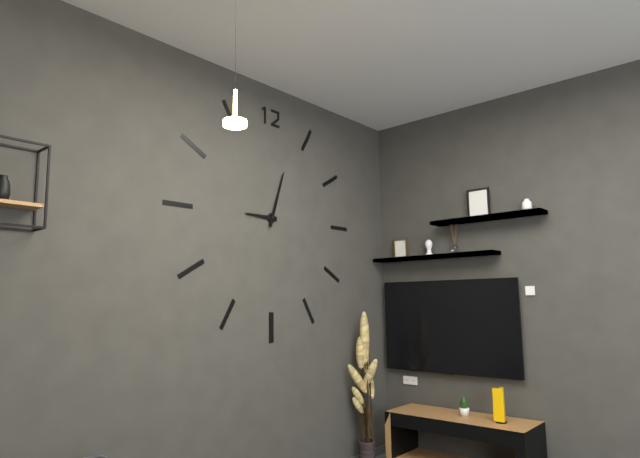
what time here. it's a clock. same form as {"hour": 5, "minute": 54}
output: {"hour": 9, "minute": 3}
